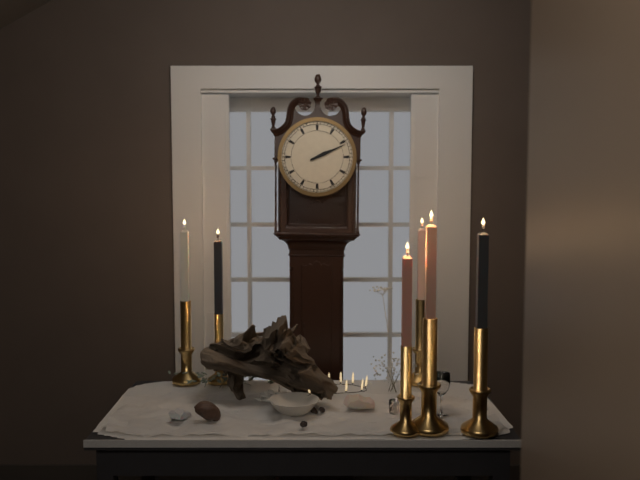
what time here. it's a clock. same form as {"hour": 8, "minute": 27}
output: {"hour": 2, "minute": 11}
